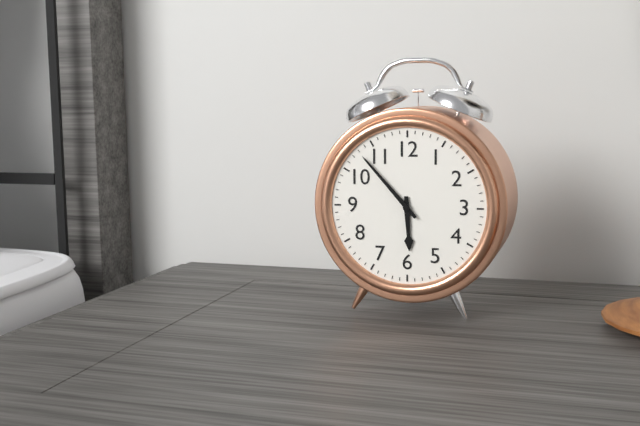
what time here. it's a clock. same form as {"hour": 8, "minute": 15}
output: {"hour": 5, "minute": 53}
